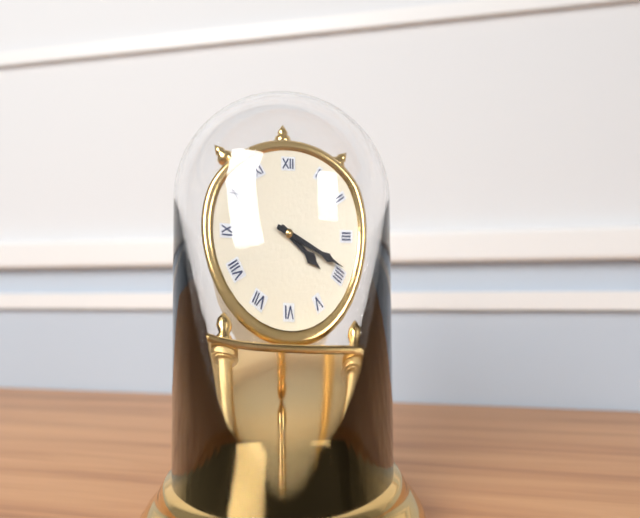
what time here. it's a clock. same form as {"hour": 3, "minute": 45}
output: {"hour": 4, "minute": 19}
